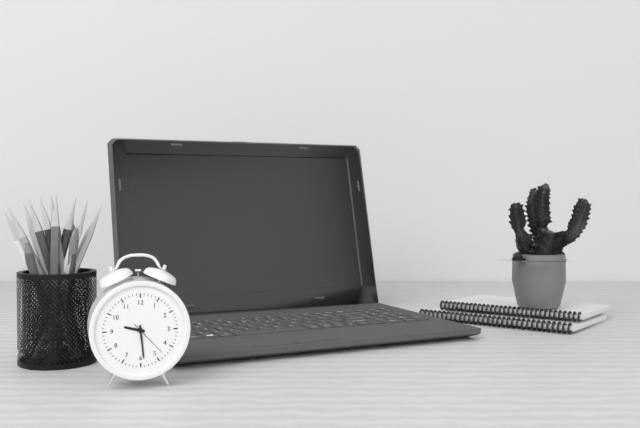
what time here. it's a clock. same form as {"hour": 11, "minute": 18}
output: {"hour": 9, "minute": 29}
